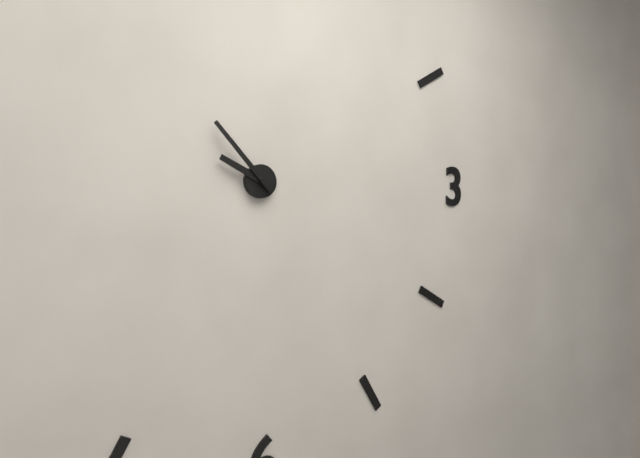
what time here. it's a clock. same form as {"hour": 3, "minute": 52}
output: {"hour": 9, "minute": 53}
